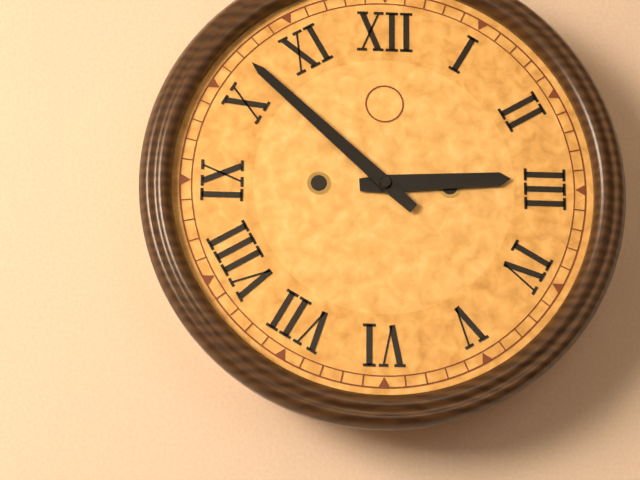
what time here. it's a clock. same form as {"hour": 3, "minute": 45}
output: {"hour": 2, "minute": 52}
